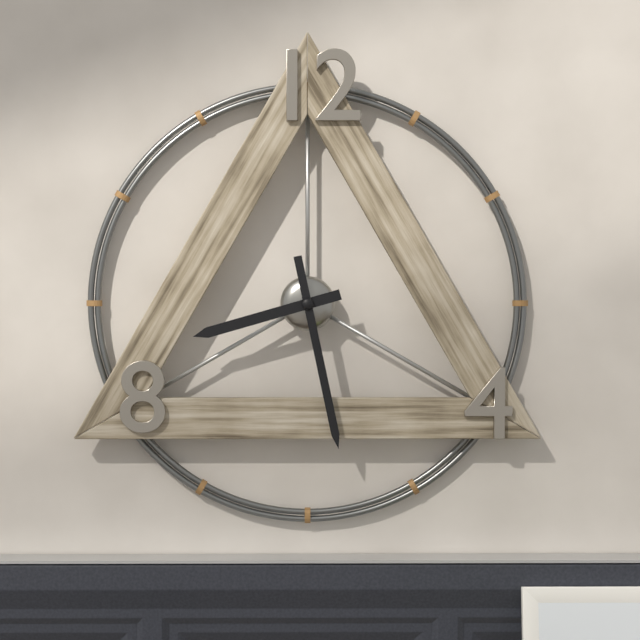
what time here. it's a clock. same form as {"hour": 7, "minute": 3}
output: {"hour": 8, "minute": 28}
